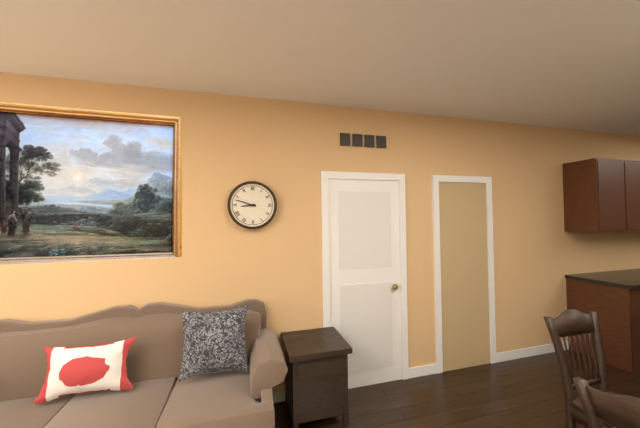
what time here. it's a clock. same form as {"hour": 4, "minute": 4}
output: {"hour": 8, "minute": 48}
